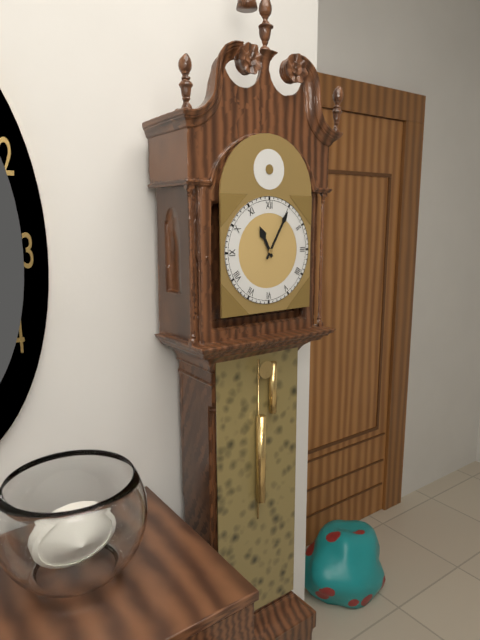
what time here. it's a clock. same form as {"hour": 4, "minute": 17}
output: {"hour": 11, "minute": 5}
